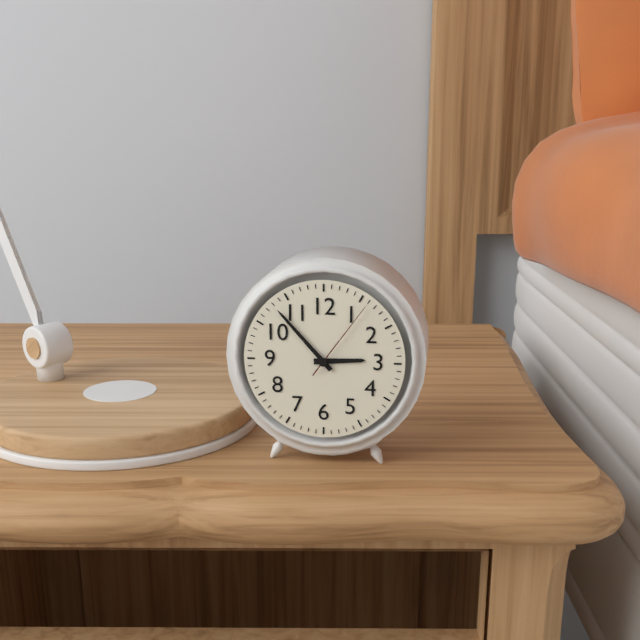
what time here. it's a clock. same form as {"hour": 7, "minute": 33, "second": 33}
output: {"hour": 2, "minute": 53, "second": 6}
